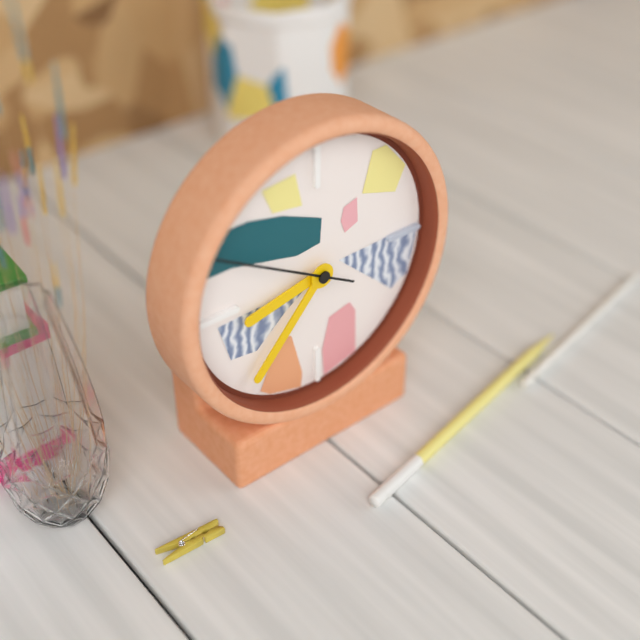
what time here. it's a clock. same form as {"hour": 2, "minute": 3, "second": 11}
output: {"hour": 8, "minute": 37, "second": 50}
